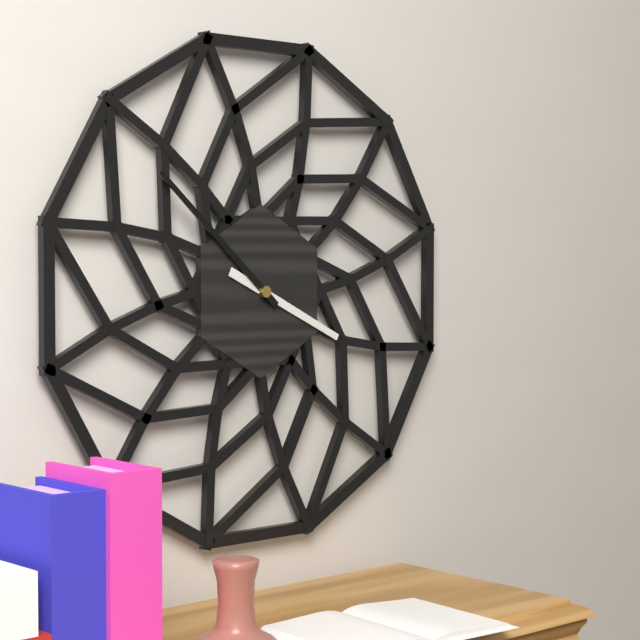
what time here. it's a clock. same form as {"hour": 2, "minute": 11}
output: {"hour": 3, "minute": 52}
